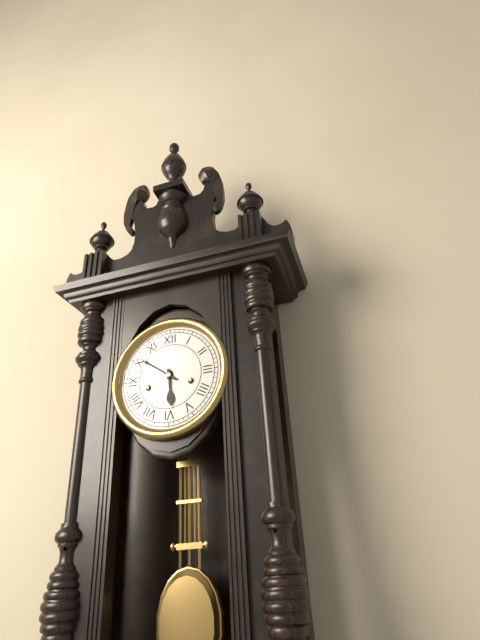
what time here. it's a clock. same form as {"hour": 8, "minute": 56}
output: {"hour": 5, "minute": 51}
